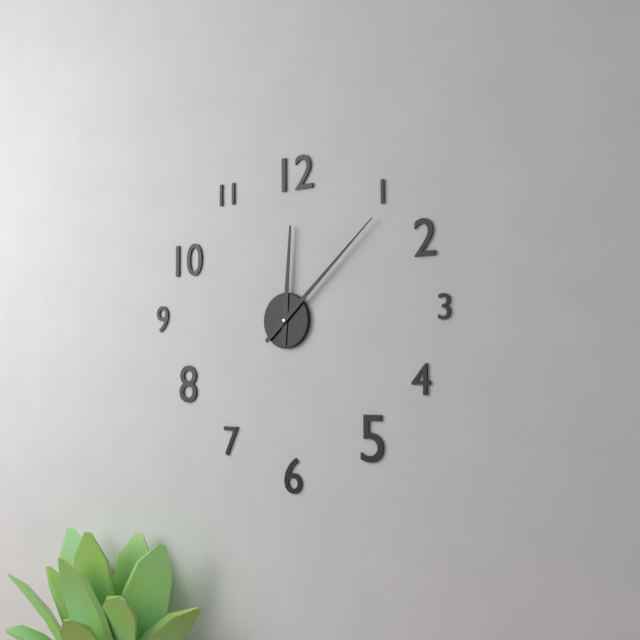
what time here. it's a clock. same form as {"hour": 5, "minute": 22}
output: {"hour": 12, "minute": 8}
